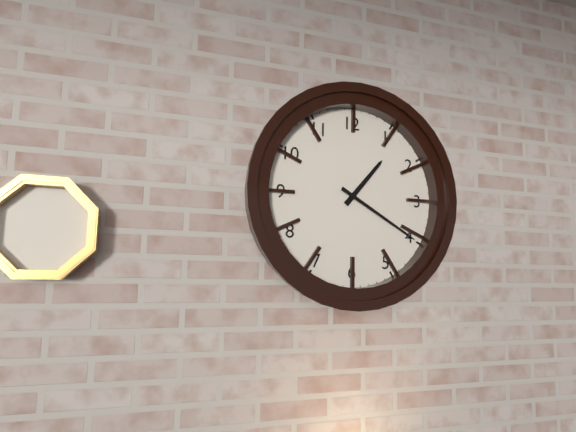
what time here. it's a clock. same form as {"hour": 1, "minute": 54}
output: {"hour": 1, "minute": 20}
